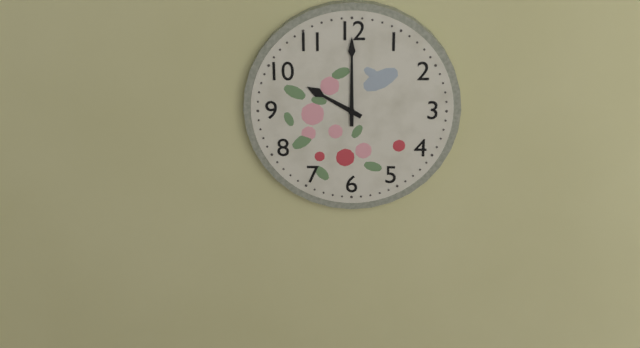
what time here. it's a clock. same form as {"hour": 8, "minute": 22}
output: {"hour": 10, "minute": 0}
